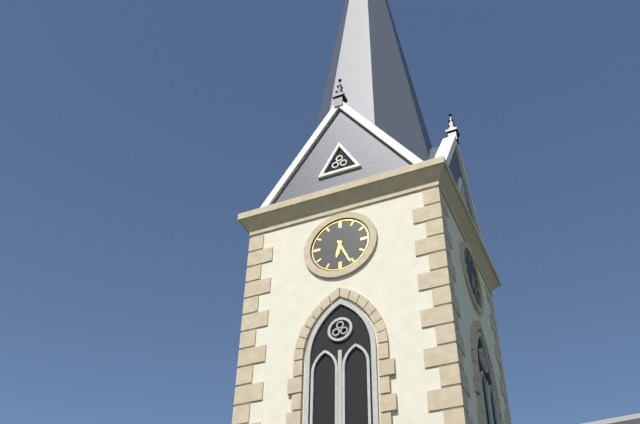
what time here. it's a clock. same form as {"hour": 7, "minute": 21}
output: {"hour": 6, "minute": 26}
